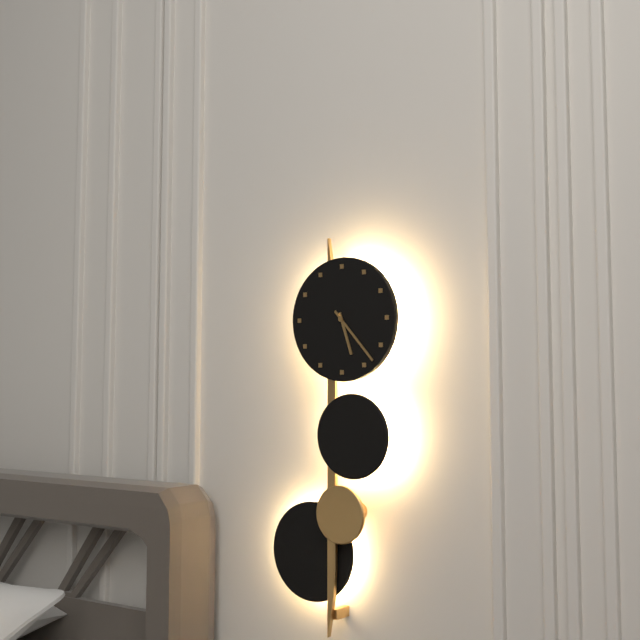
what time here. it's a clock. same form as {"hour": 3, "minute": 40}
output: {"hour": 5, "minute": 23}
